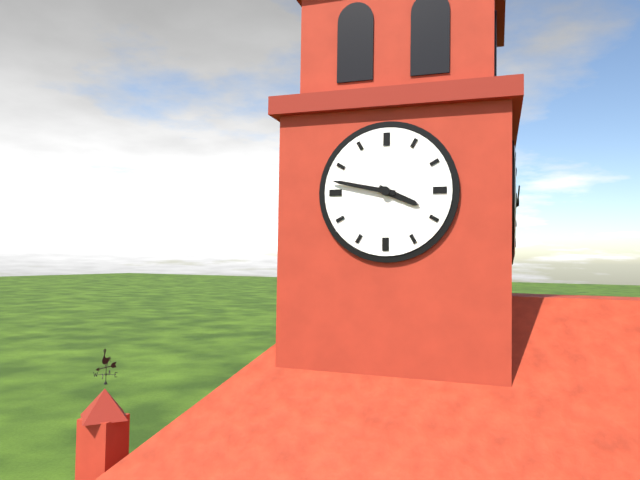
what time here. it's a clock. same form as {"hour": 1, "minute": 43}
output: {"hour": 3, "minute": 47}
